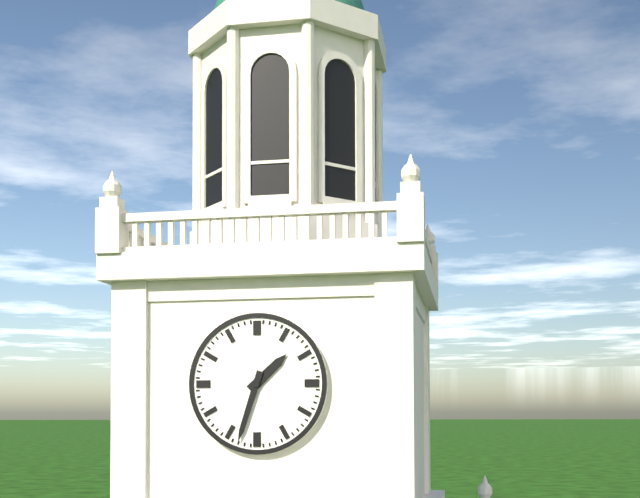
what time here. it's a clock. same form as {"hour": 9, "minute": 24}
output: {"hour": 1, "minute": 33}
